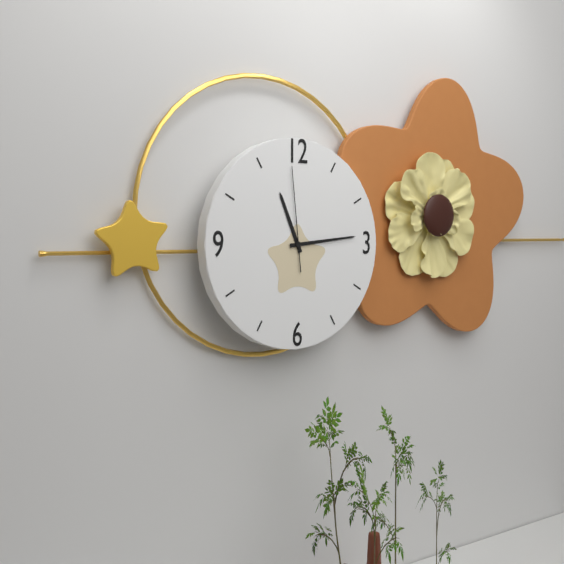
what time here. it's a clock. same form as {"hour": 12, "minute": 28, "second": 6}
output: {"hour": 11, "minute": 14, "second": 59}
